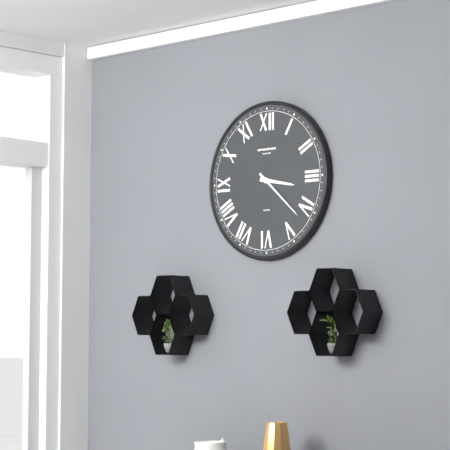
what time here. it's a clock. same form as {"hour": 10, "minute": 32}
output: {"hour": 3, "minute": 22}
